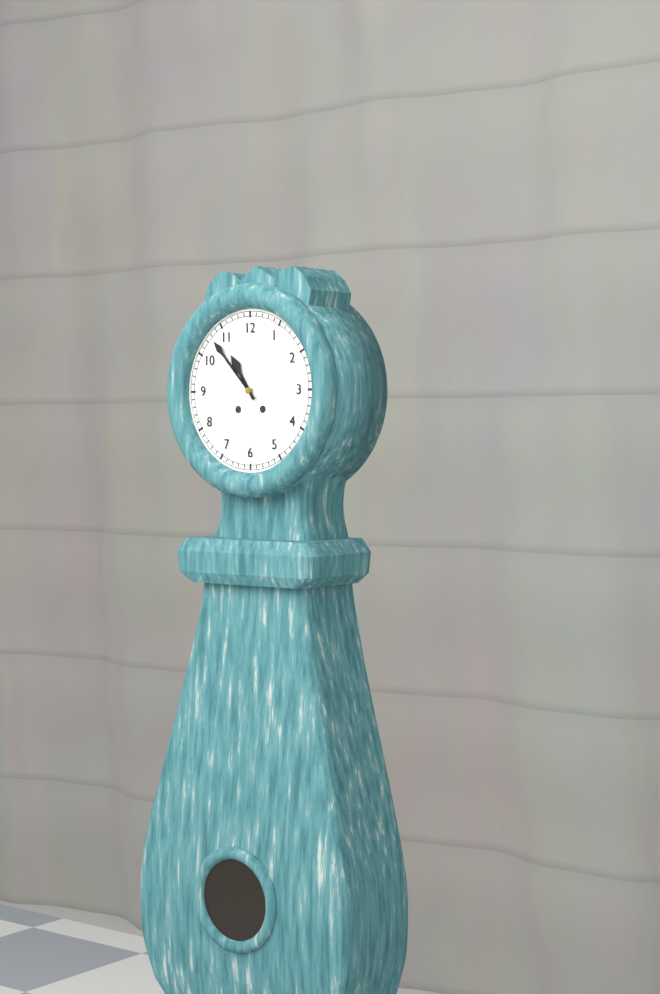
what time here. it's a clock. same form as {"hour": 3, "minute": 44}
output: {"hour": 10, "minute": 53}
